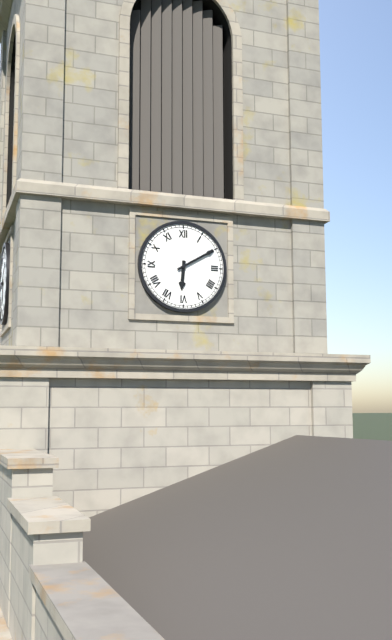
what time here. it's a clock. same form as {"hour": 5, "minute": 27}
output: {"hour": 6, "minute": 10}
